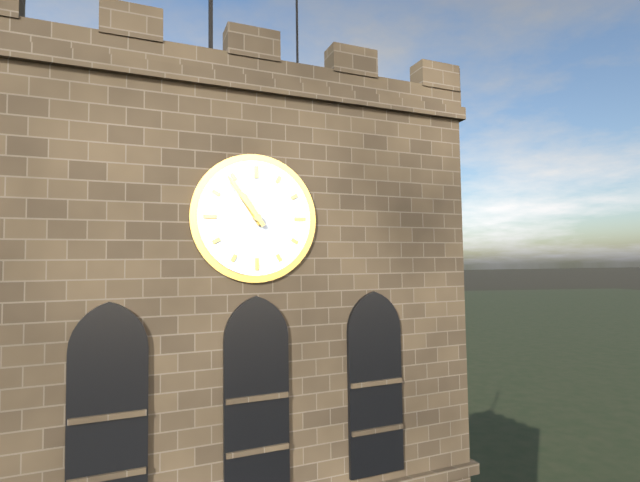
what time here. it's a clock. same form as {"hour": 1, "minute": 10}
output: {"hour": 10, "minute": 54}
